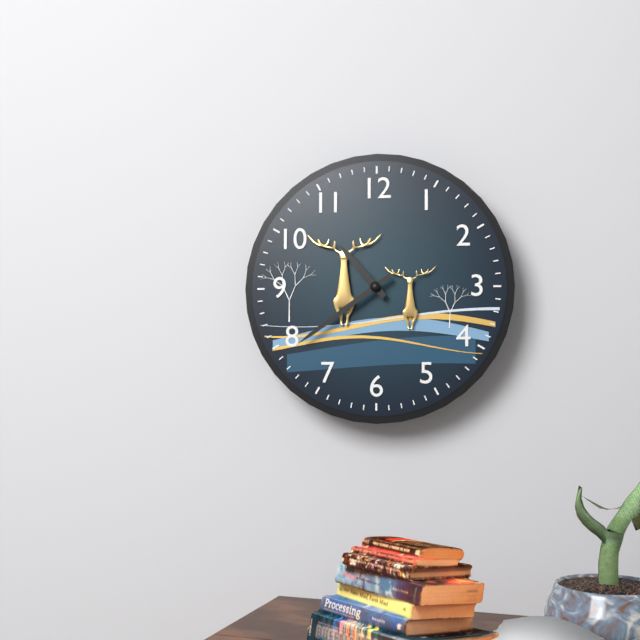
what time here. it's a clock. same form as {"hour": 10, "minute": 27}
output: {"hour": 10, "minute": 39}
